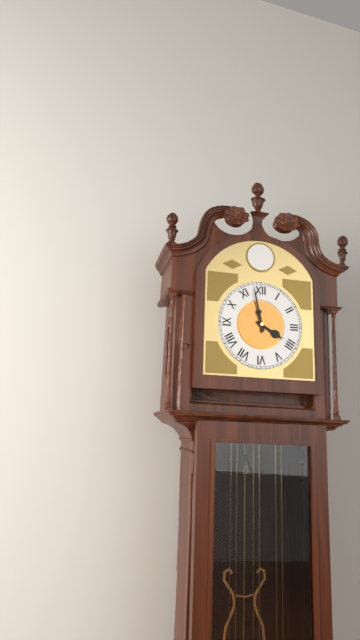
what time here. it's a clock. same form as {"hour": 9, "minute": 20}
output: {"hour": 3, "minute": 58}
